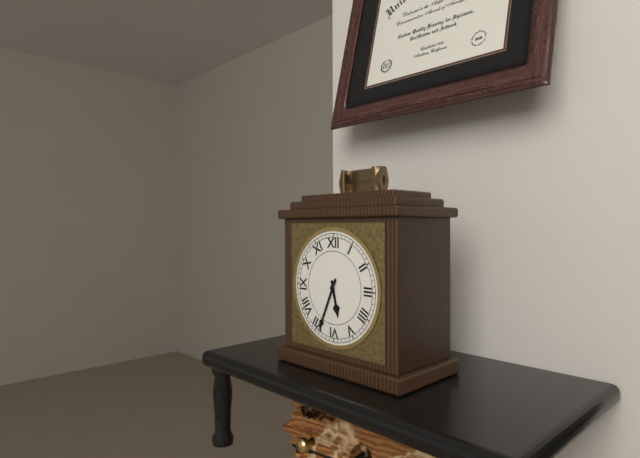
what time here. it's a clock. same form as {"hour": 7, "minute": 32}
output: {"hour": 5, "minute": 34}
